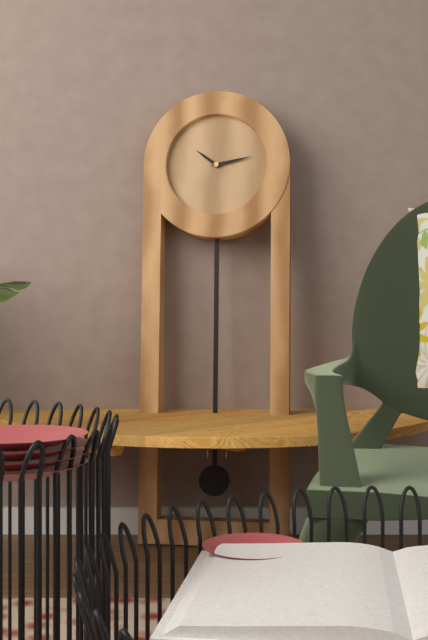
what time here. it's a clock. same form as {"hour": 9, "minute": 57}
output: {"hour": 10, "minute": 13}
